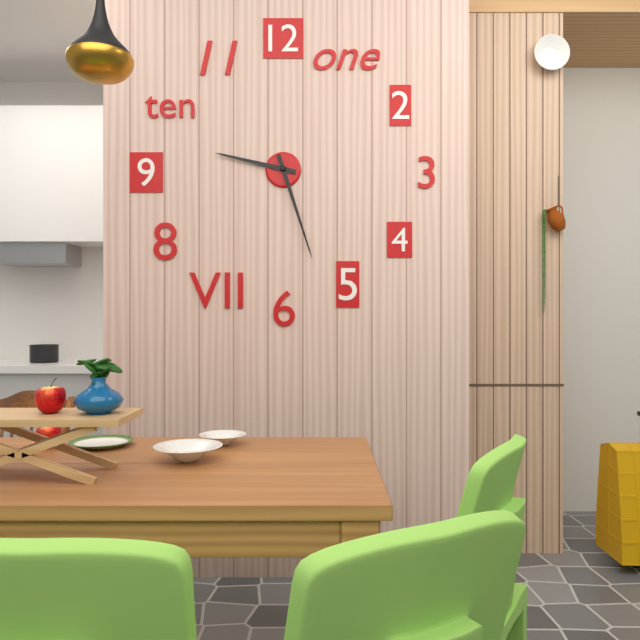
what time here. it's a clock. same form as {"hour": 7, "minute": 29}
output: {"hour": 9, "minute": 27}
